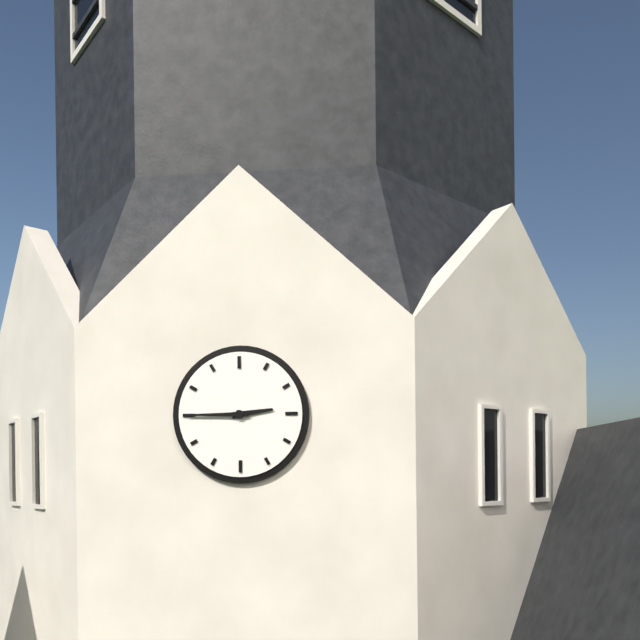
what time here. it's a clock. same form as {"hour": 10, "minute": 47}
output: {"hour": 2, "minute": 45}
